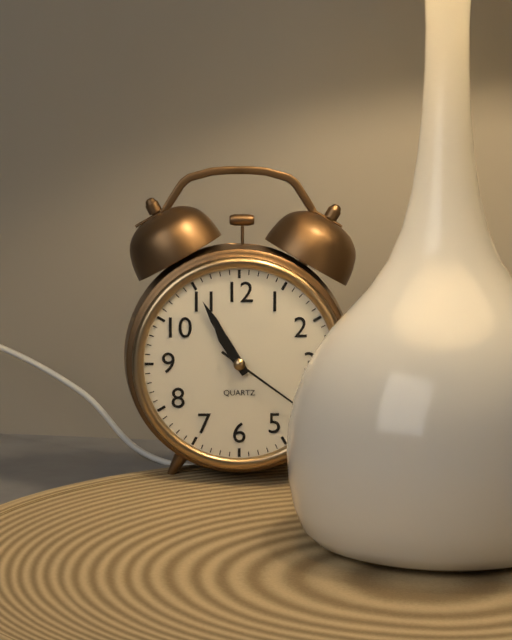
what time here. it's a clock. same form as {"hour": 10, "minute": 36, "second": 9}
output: {"hour": 10, "minute": 55, "second": 21}
